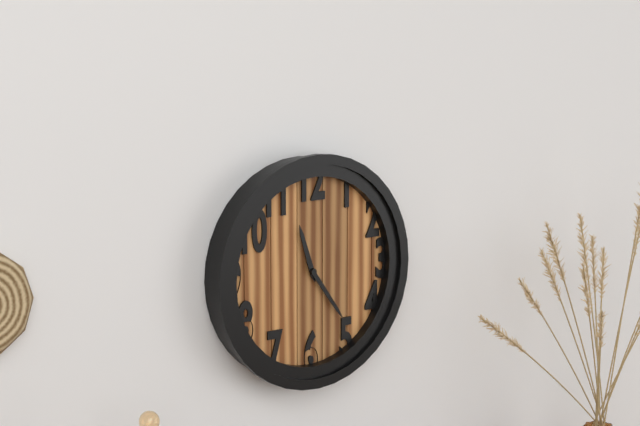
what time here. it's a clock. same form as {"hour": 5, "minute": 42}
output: {"hour": 11, "minute": 24}
